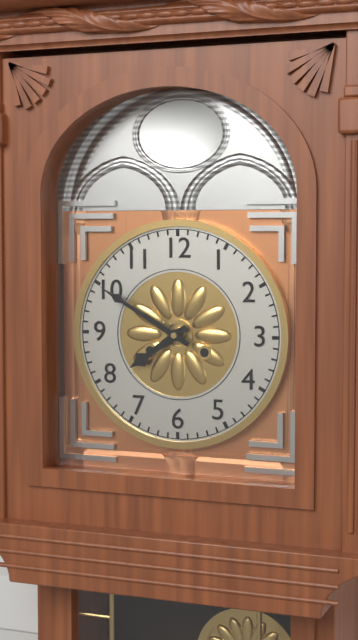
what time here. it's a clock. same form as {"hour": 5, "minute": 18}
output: {"hour": 7, "minute": 50}
